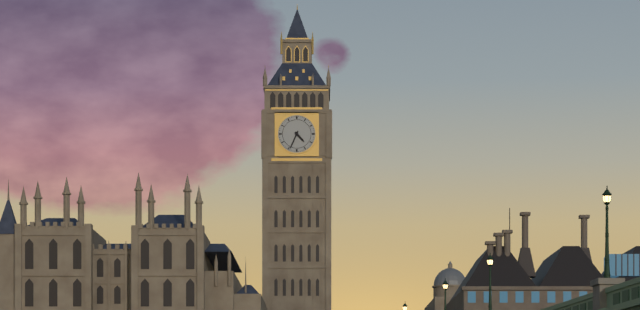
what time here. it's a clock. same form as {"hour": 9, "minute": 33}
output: {"hour": 4, "minute": 34}
